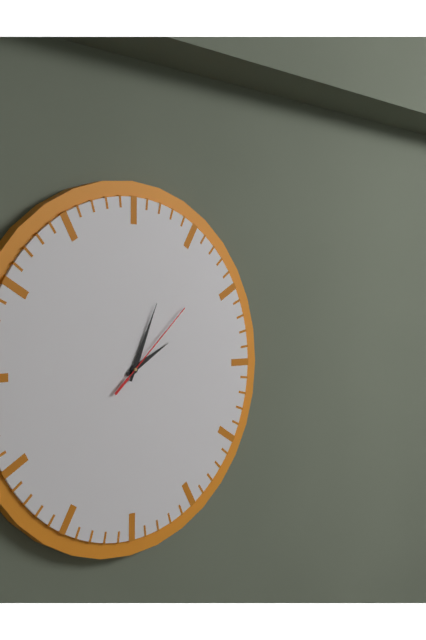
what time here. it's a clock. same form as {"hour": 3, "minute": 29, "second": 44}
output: {"hour": 2, "minute": 4, "second": 8}
